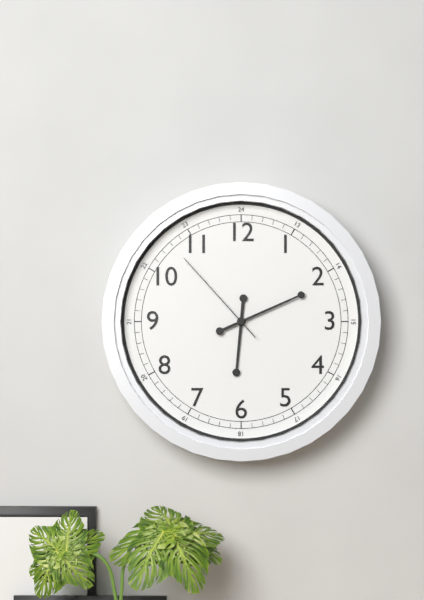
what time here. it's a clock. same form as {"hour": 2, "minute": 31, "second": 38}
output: {"hour": 6, "minute": 11, "second": 53}
